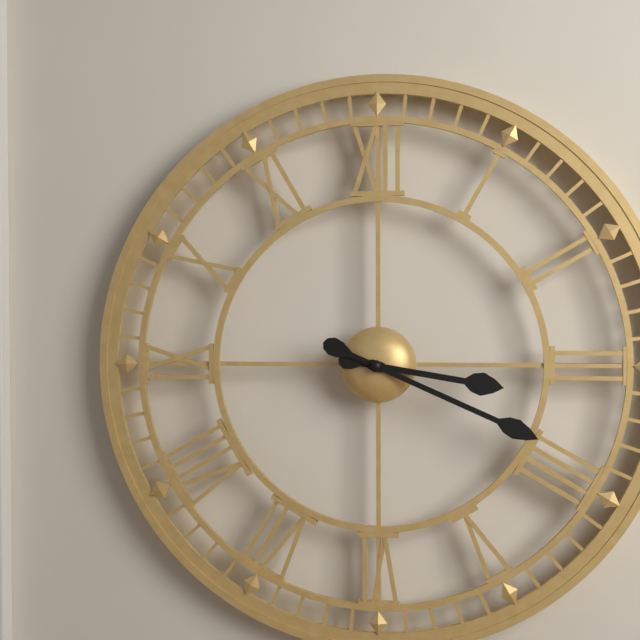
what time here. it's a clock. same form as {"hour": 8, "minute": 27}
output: {"hour": 3, "minute": 19}
